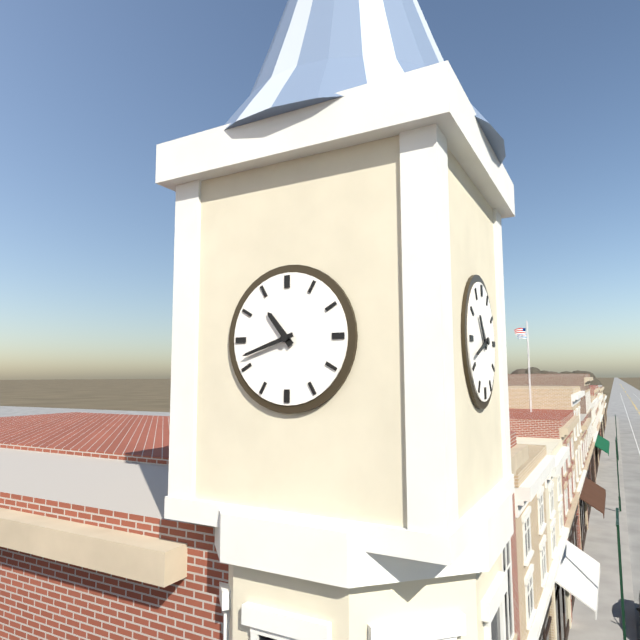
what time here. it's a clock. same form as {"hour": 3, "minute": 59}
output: {"hour": 10, "minute": 42}
